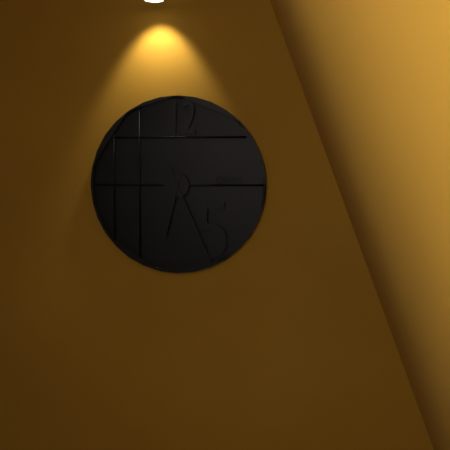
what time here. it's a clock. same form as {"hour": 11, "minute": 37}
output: {"hour": 6, "minute": 26}
